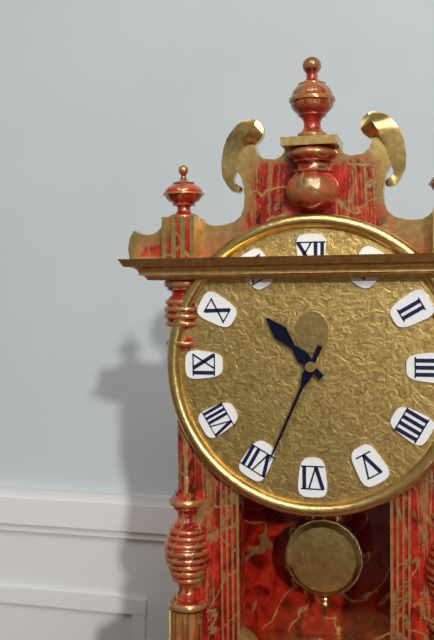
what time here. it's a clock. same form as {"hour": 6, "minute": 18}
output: {"hour": 10, "minute": 34}
